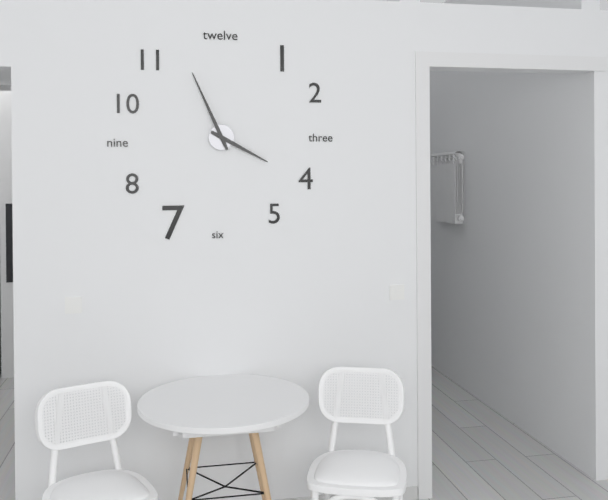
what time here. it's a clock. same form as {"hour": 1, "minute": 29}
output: {"hour": 3, "minute": 56}
